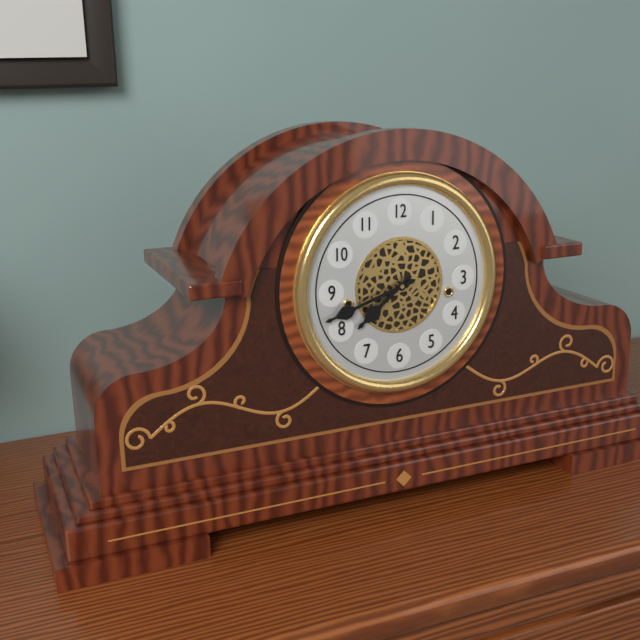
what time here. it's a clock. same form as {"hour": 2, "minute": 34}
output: {"hour": 7, "minute": 42}
